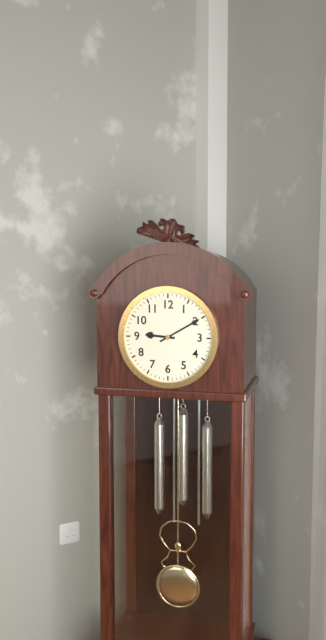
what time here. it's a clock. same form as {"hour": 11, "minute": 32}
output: {"hour": 9, "minute": 10}
